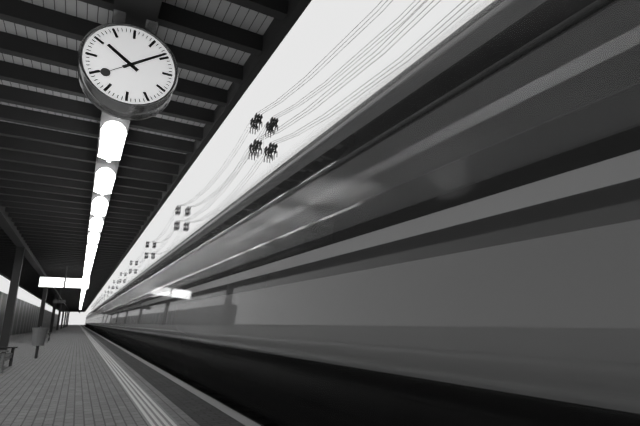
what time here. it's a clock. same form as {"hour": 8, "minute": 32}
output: {"hour": 10, "minute": 9}
